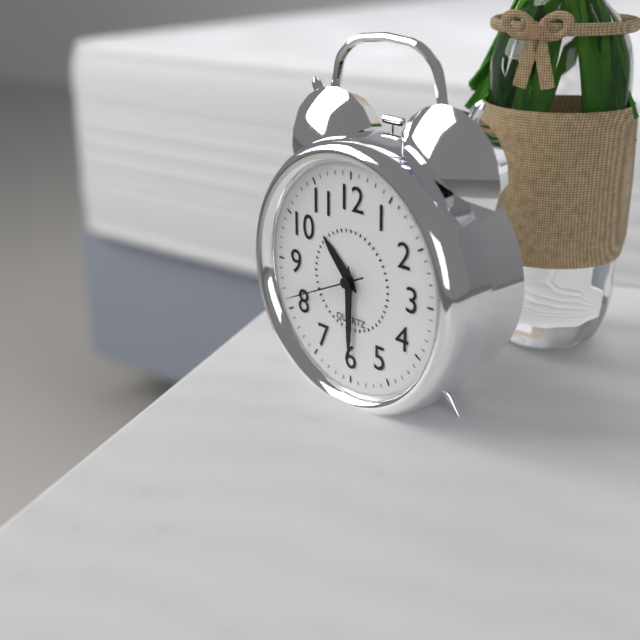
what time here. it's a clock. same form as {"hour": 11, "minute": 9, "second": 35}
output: {"hour": 10, "minute": 30, "second": 41}
